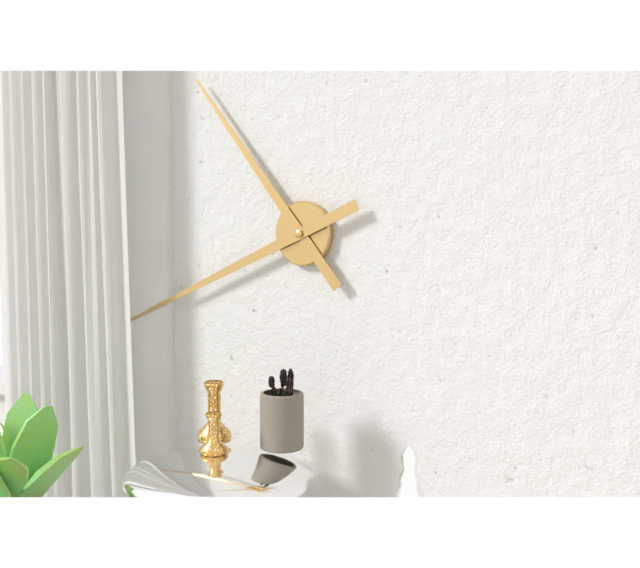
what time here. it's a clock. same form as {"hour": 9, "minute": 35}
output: {"hour": 10, "minute": 41}
